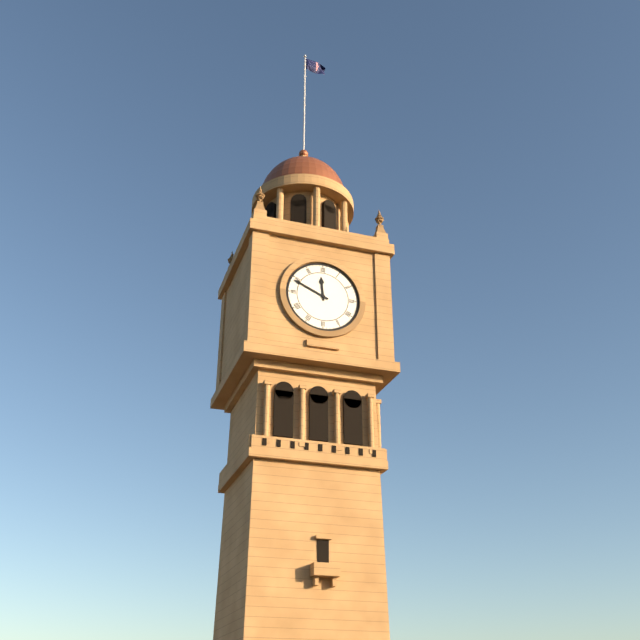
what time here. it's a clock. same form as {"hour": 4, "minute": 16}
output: {"hour": 11, "minute": 49}
